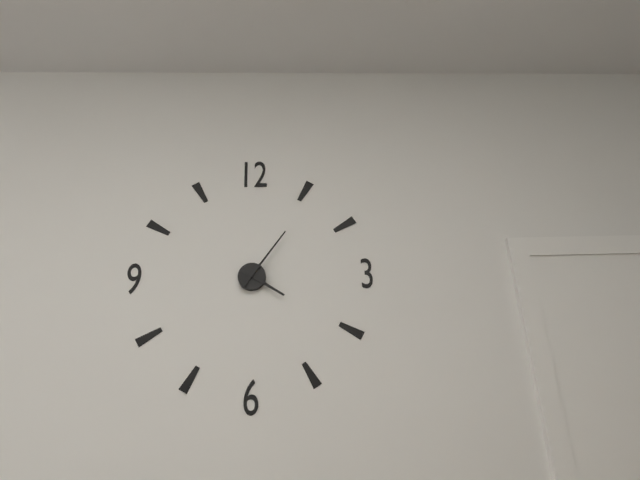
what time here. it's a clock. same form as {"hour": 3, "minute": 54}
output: {"hour": 4, "minute": 6}
